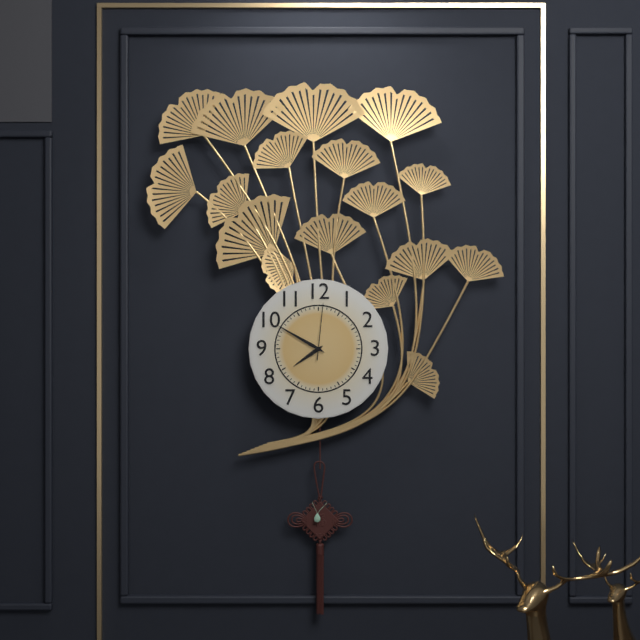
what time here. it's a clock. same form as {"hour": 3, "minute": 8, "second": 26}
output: {"hour": 7, "minute": 50, "second": 1}
